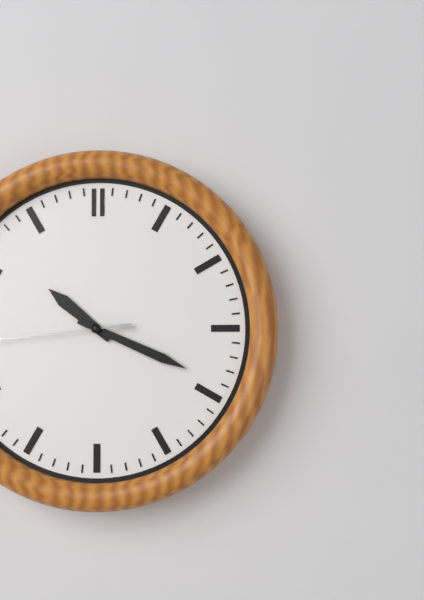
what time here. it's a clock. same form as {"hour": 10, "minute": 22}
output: {"hour": 10, "minute": 19}
